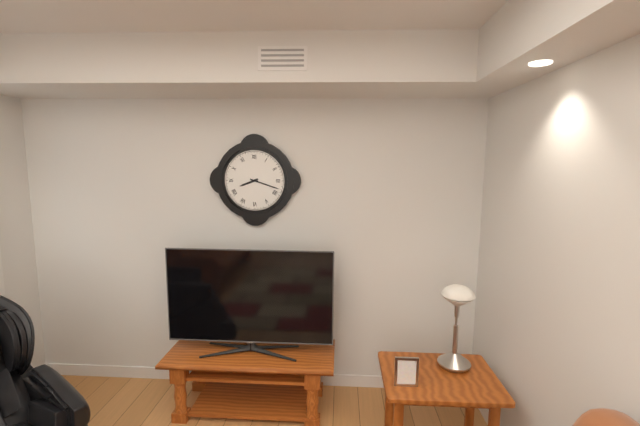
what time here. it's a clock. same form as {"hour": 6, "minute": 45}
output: {"hour": 8, "minute": 18}
